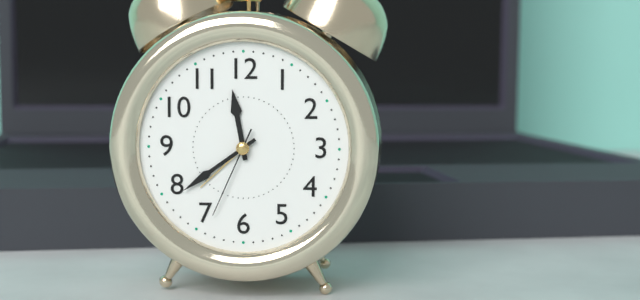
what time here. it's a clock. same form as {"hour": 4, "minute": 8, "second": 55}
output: {"hour": 11, "minute": 39, "second": 34}
